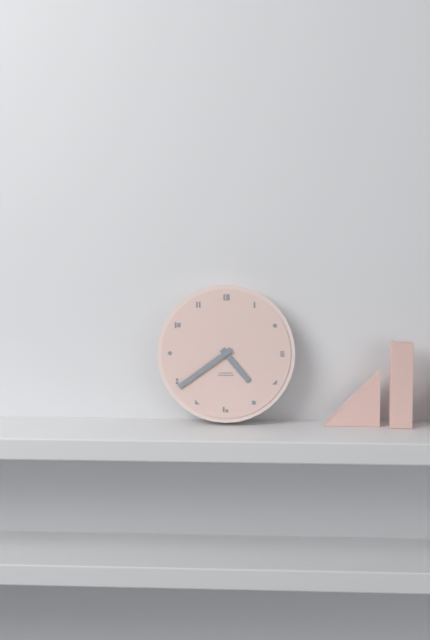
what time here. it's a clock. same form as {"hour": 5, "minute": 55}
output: {"hour": 4, "minute": 39}
